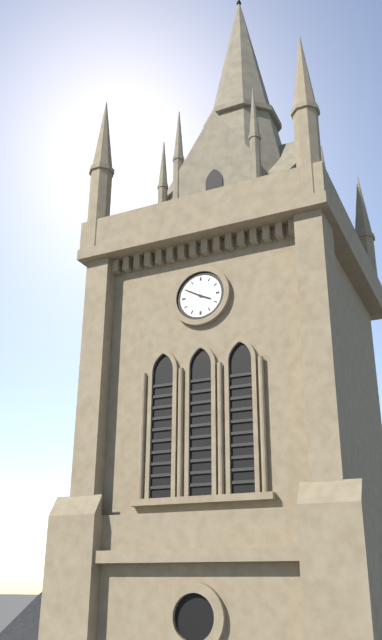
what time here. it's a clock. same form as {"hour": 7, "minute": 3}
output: {"hour": 3, "minute": 50}
